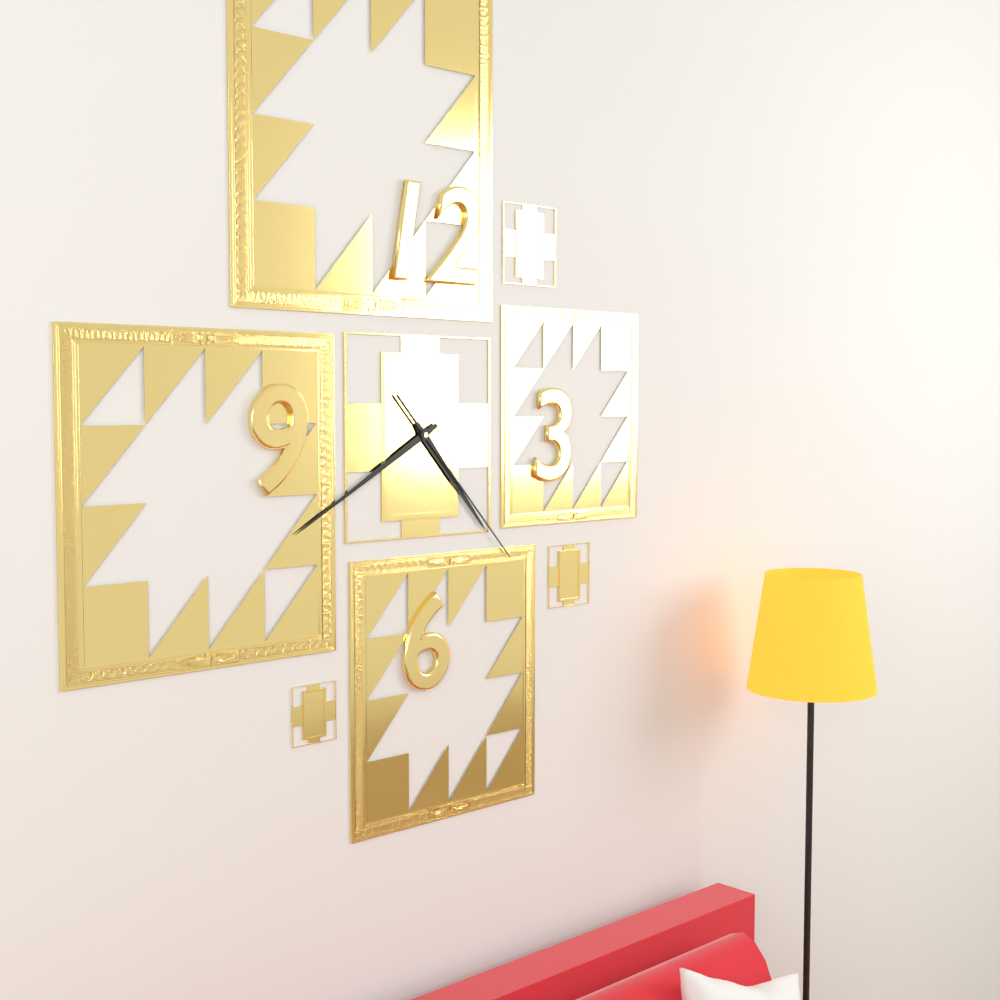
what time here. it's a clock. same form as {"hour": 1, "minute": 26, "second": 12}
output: {"hour": 4, "minute": 40, "second": 23}
